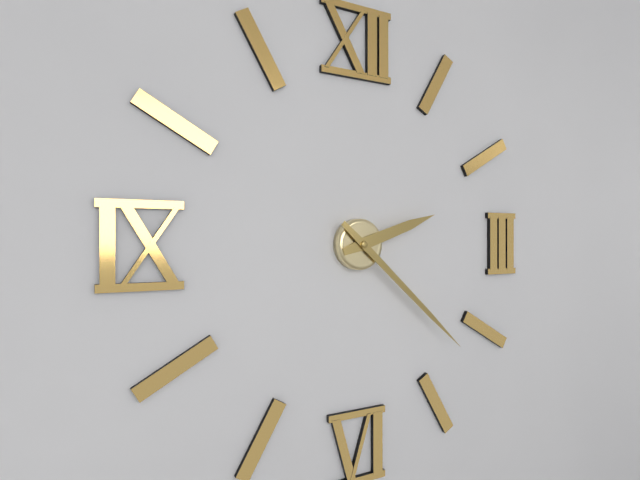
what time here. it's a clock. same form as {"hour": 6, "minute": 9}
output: {"hour": 2, "minute": 22}
